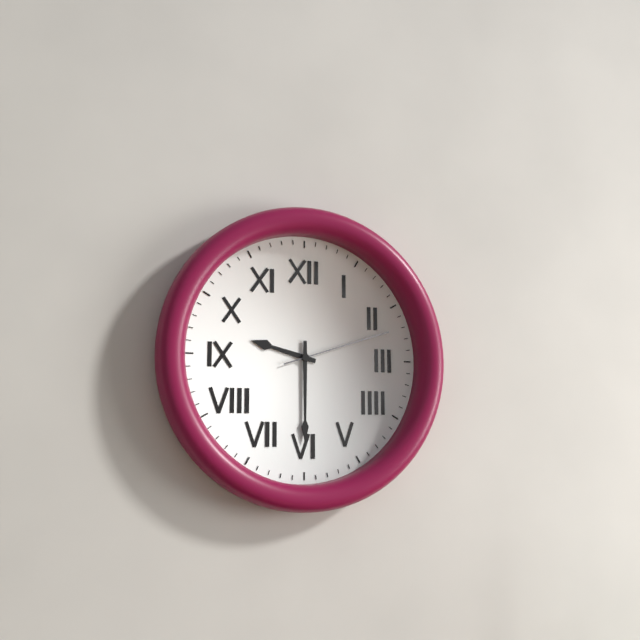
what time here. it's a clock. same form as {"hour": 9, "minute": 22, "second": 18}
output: {"hour": 9, "minute": 30, "second": 12}
